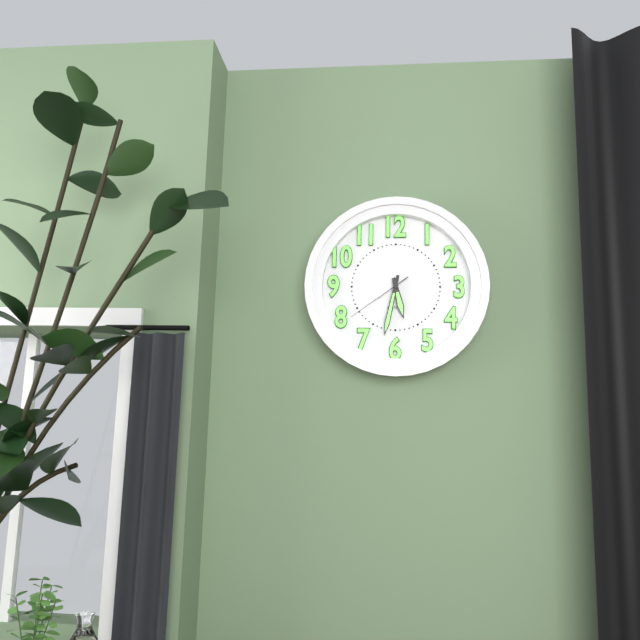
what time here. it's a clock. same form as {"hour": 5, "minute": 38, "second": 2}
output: {"hour": 5, "minute": 32, "second": 39}
